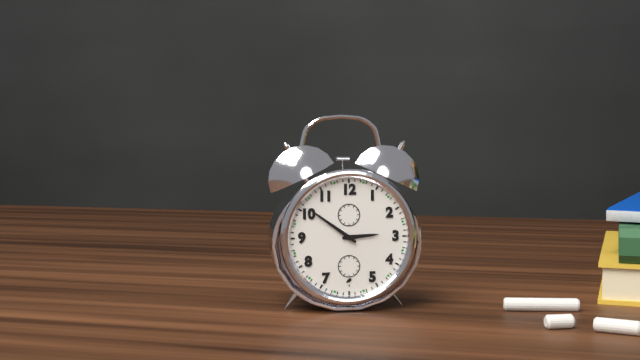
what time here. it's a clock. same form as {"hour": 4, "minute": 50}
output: {"hour": 2, "minute": 51}
